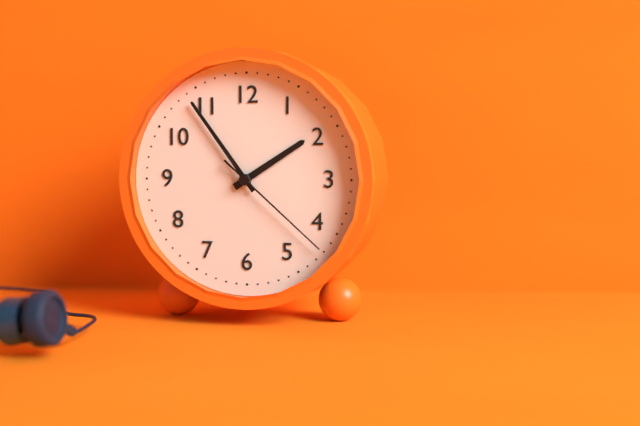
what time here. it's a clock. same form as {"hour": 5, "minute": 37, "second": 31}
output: {"hour": 1, "minute": 54, "second": 22}
